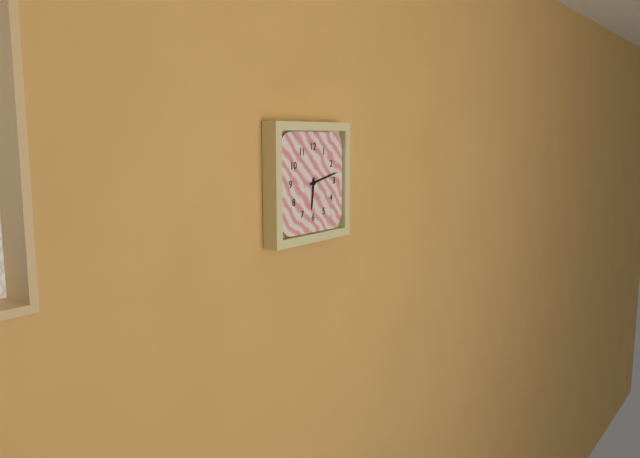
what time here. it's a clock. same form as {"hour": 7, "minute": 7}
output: {"hour": 6, "minute": 13}
